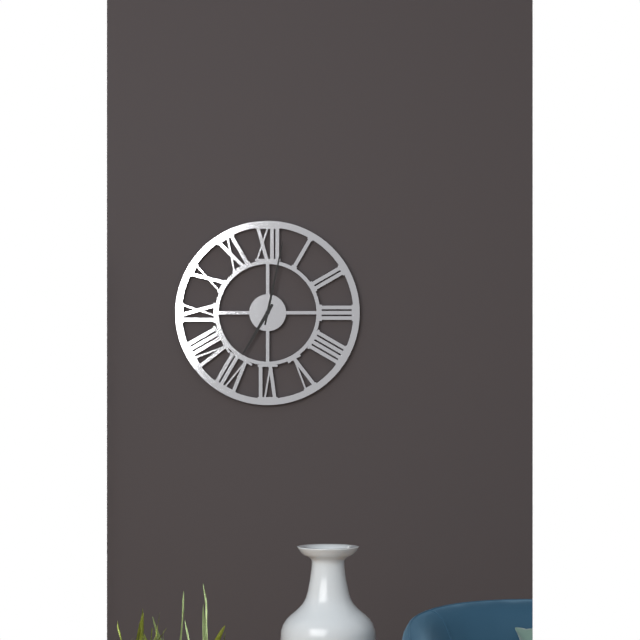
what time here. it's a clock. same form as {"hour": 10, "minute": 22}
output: {"hour": 7, "minute": 2}
